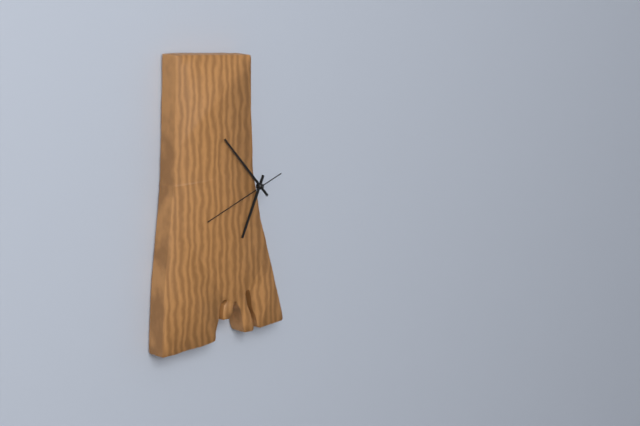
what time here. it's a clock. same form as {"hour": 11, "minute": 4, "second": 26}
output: {"hour": 6, "minute": 53, "second": 42}
